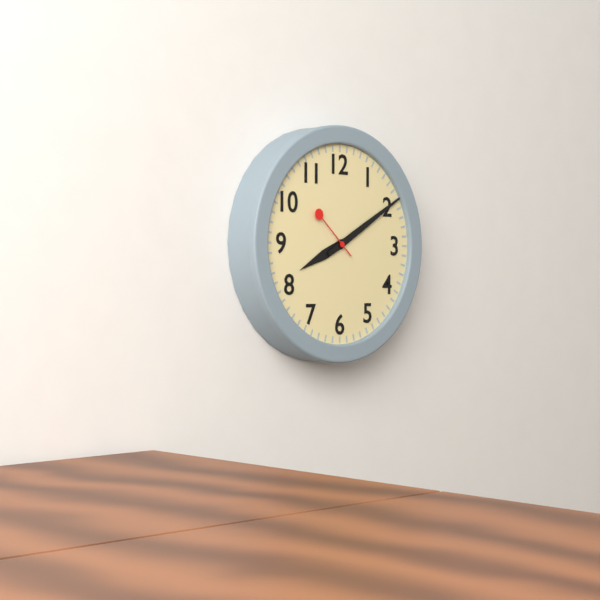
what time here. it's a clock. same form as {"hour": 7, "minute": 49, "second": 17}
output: {"hour": 8, "minute": 10, "second": 52}
